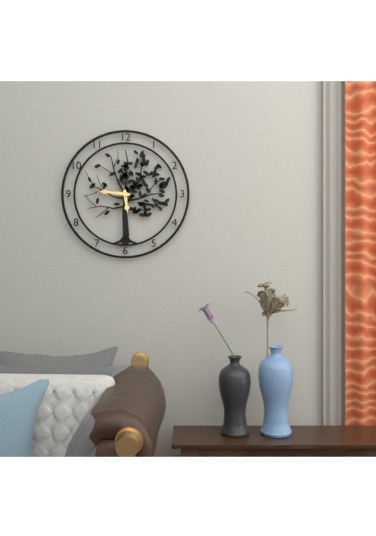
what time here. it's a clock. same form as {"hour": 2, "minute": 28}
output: {"hour": 5, "minute": 46}
